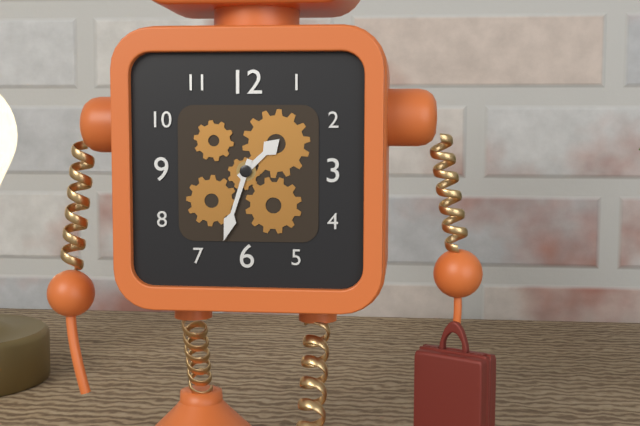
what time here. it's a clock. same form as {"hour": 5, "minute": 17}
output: {"hour": 1, "minute": 33}
